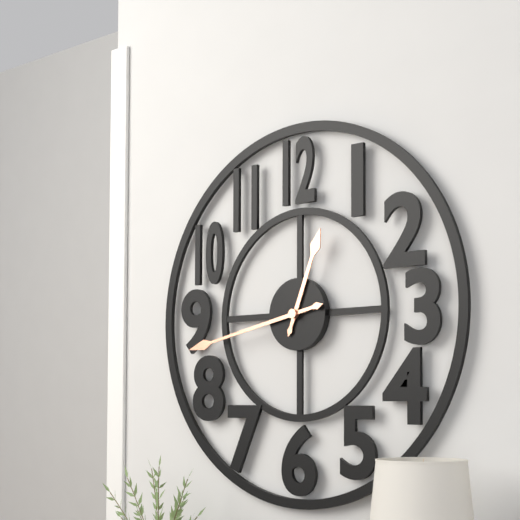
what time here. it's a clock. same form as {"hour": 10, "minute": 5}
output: {"hour": 12, "minute": 43}
